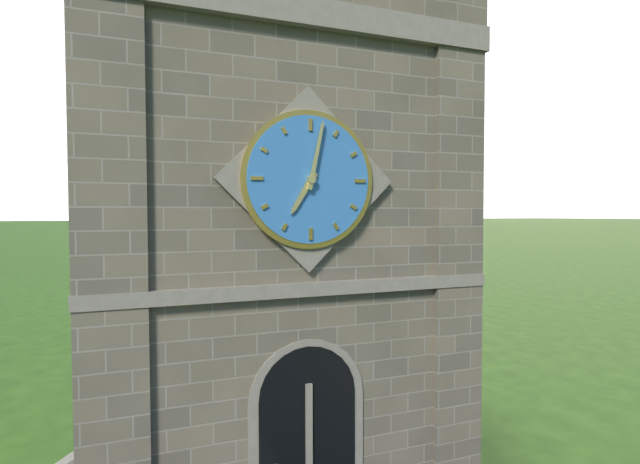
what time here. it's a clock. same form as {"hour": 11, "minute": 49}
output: {"hour": 7, "minute": 2}
